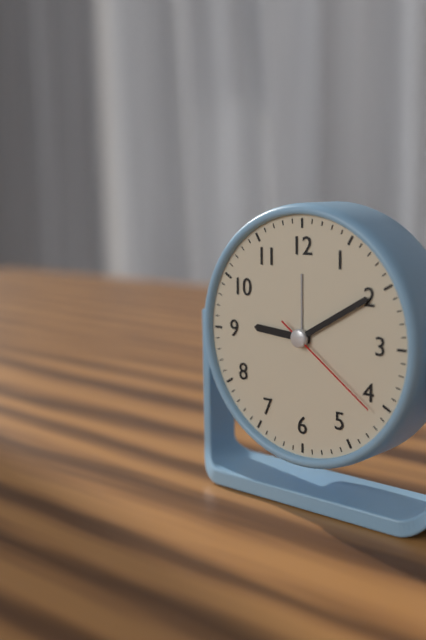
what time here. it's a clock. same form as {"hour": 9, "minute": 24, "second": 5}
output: {"hour": 9, "minute": 10, "second": 21}
